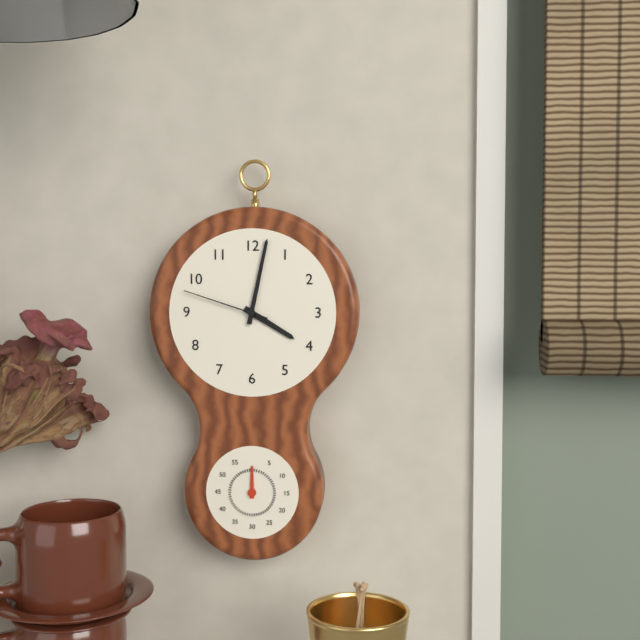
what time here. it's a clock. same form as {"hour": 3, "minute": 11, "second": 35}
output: {"hour": 4, "minute": 2, "second": 48}
